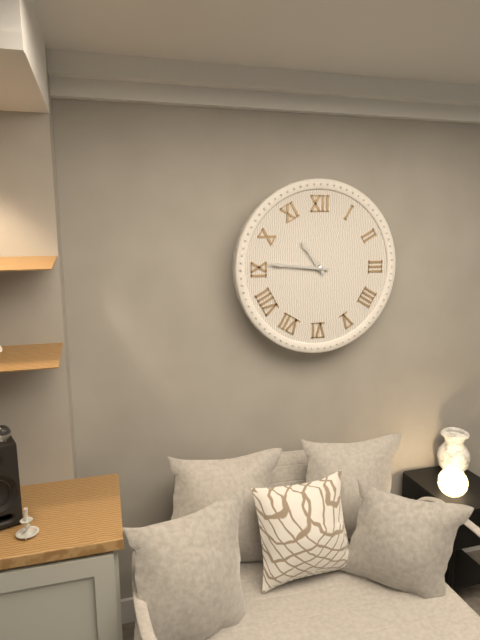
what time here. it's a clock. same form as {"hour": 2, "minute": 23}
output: {"hour": 10, "minute": 46}
